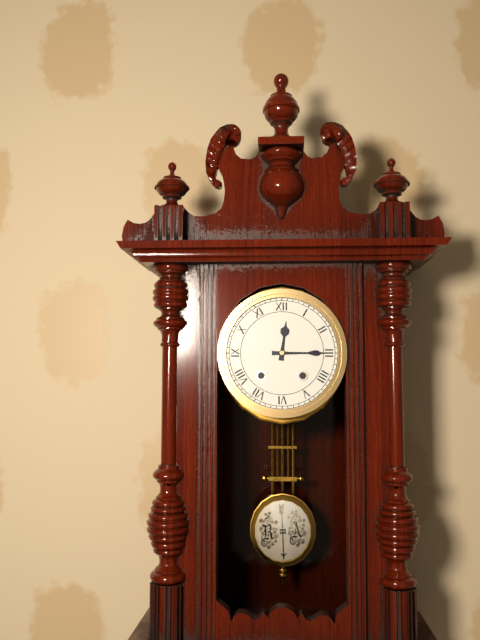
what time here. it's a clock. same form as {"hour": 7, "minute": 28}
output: {"hour": 12, "minute": 15}
